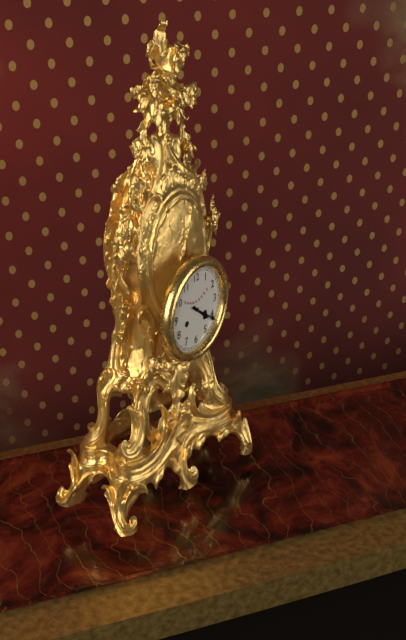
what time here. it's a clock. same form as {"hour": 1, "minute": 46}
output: {"hour": 4, "minute": 21}
